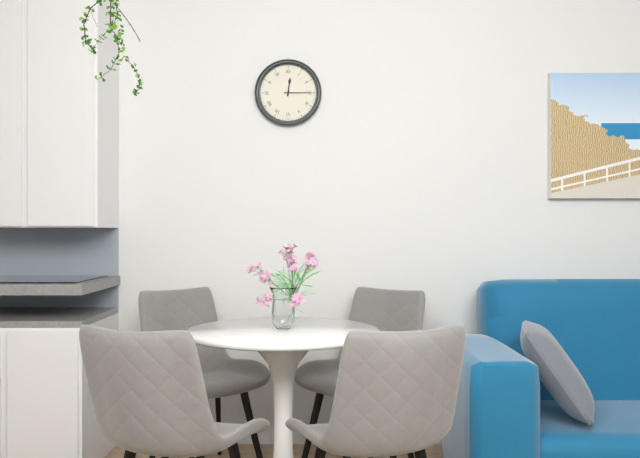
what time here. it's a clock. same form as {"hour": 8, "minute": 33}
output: {"hour": 12, "minute": 15}
